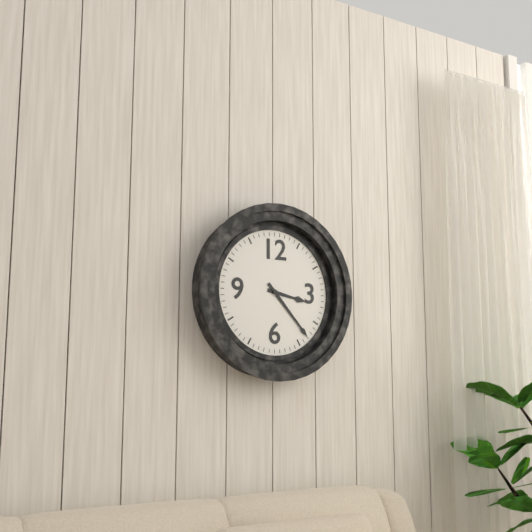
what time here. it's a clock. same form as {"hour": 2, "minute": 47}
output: {"hour": 3, "minute": 23}
